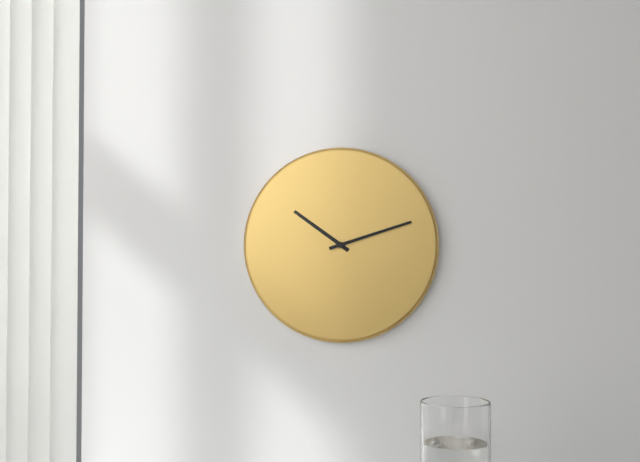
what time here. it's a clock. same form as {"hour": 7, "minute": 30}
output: {"hour": 10, "minute": 12}
